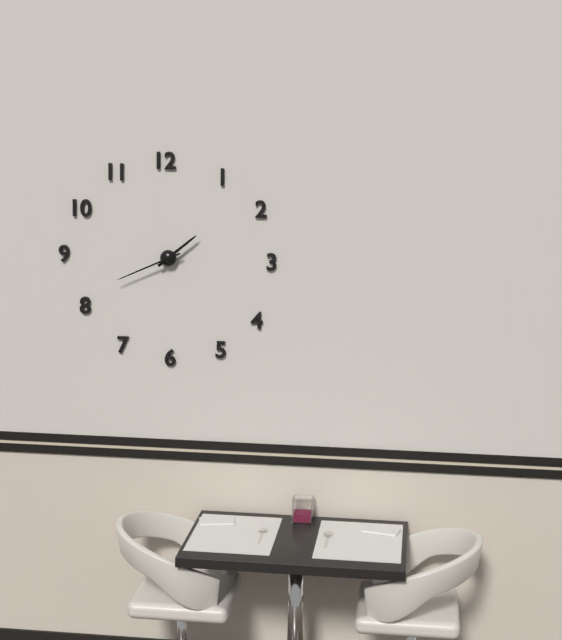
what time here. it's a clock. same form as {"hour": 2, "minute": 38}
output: {"hour": 1, "minute": 41}
